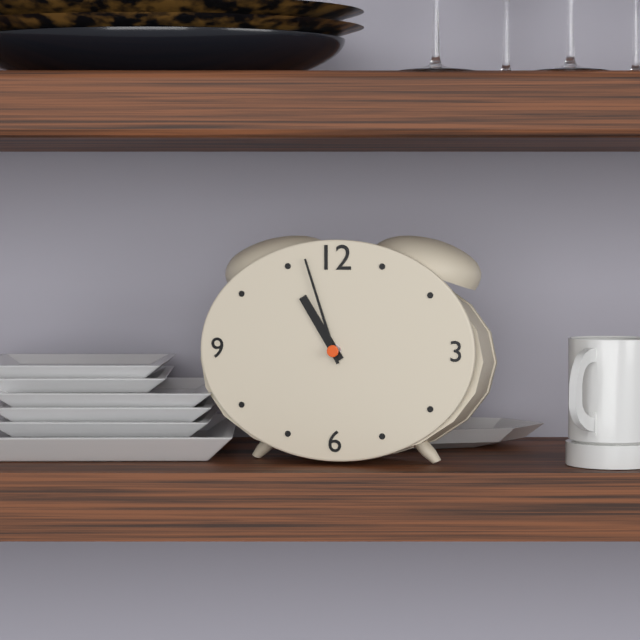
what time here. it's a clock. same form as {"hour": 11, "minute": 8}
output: {"hour": 10, "minute": 57}
